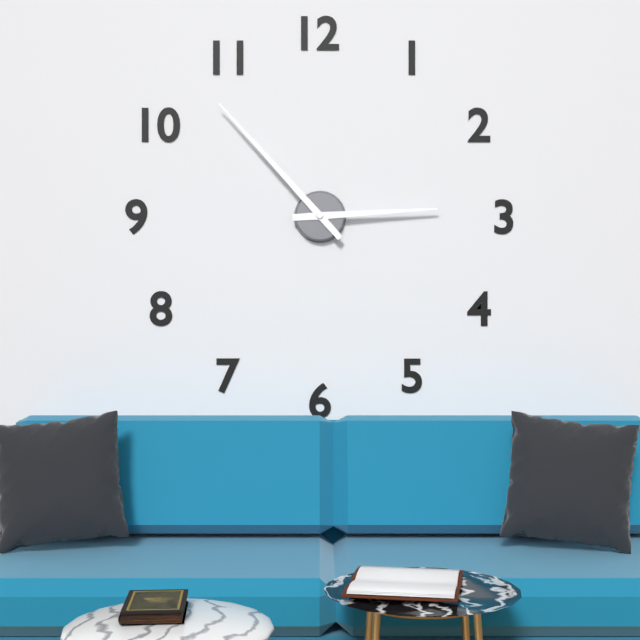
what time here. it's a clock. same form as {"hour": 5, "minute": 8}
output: {"hour": 2, "minute": 53}
